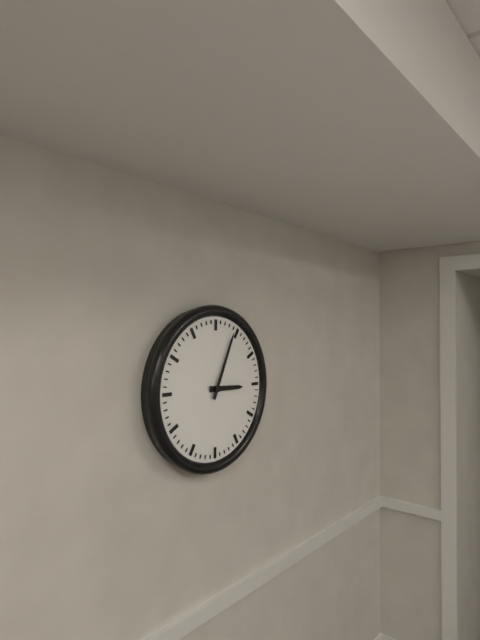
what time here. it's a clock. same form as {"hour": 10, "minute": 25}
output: {"hour": 3, "minute": 4}
